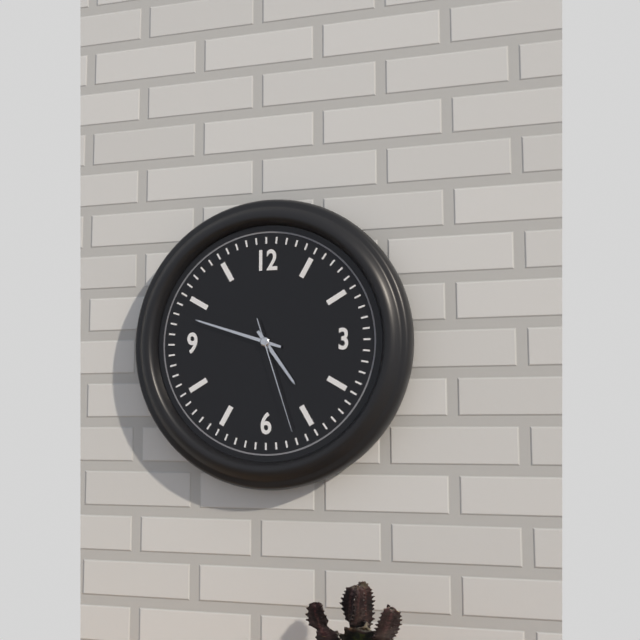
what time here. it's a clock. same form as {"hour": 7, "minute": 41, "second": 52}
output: {"hour": 4, "minute": 48, "second": 27}
